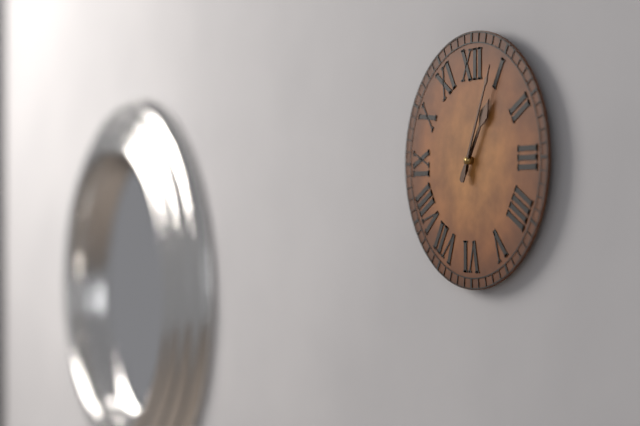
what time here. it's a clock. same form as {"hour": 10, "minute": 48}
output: {"hour": 1, "minute": 4}
